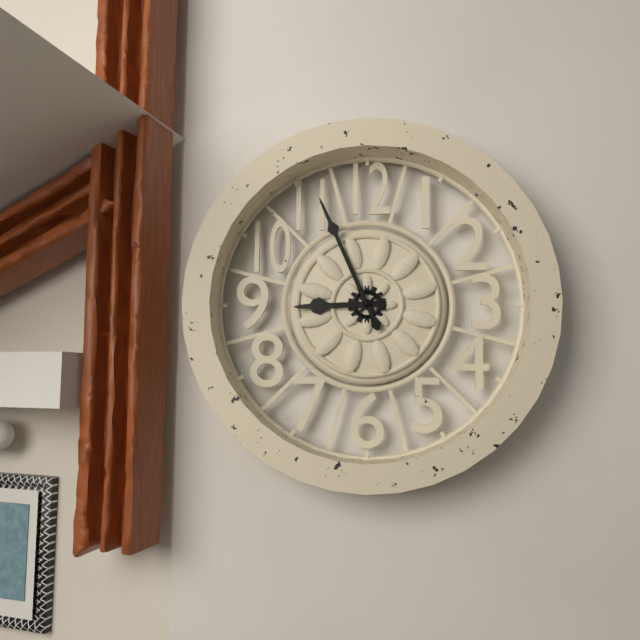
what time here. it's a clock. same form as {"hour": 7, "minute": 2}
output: {"hour": 8, "minute": 56}
